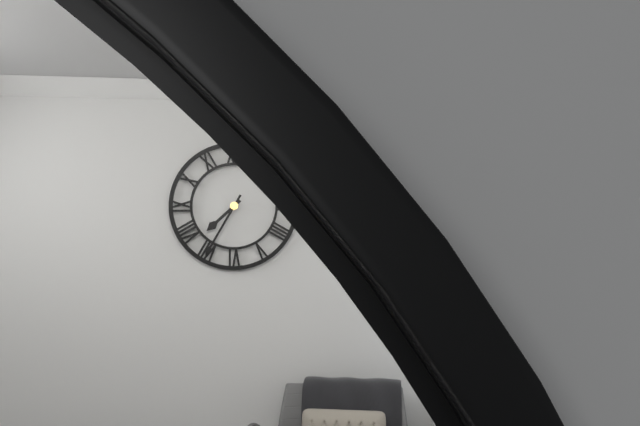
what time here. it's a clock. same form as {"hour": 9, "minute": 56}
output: {"hour": 7, "minute": 35}
